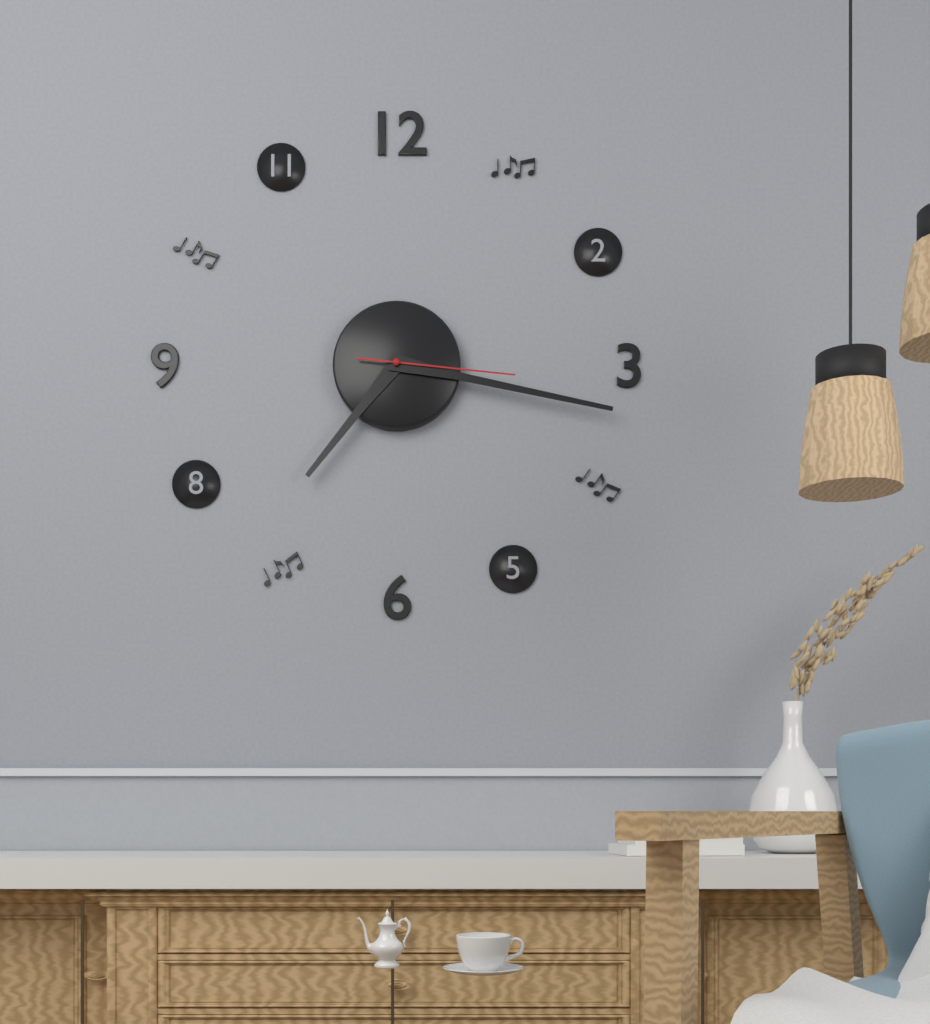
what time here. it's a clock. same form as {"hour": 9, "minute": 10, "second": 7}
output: {"hour": 7, "minute": 17, "second": 16}
